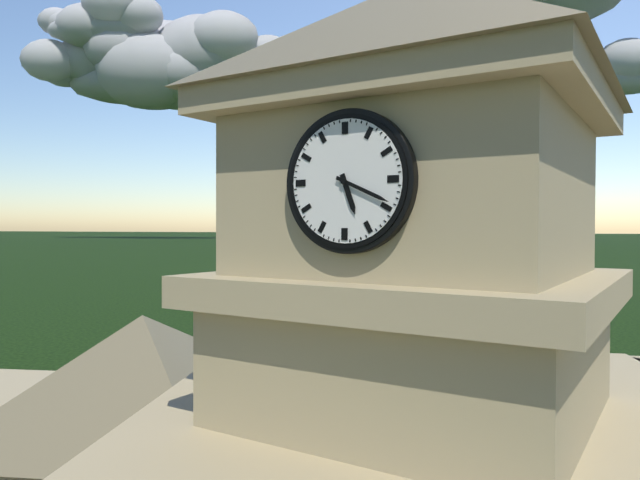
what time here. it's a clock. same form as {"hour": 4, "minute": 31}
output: {"hour": 5, "minute": 19}
